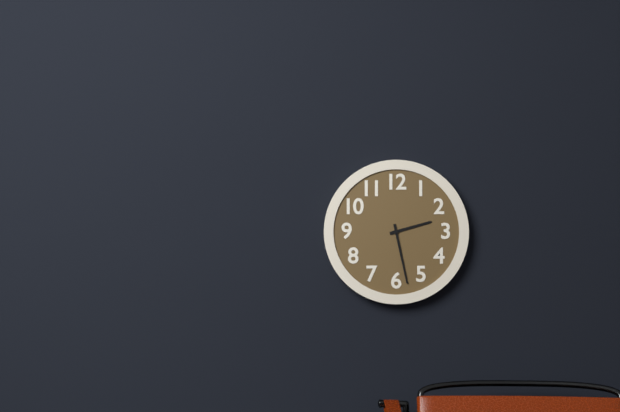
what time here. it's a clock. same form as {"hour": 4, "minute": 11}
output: {"hour": 2, "minute": 28}
